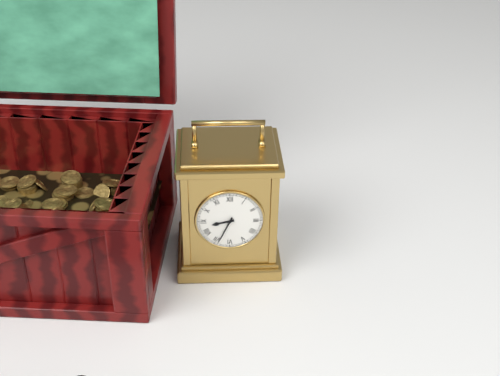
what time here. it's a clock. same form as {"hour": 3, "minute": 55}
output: {"hour": 8, "minute": 34}
